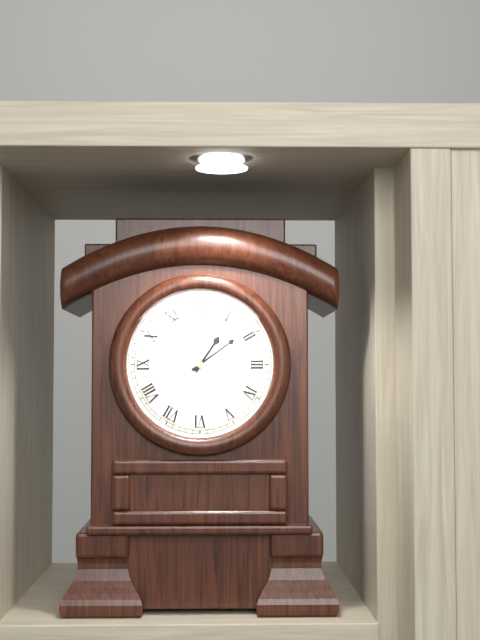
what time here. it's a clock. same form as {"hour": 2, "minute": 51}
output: {"hour": 1, "minute": 9}
